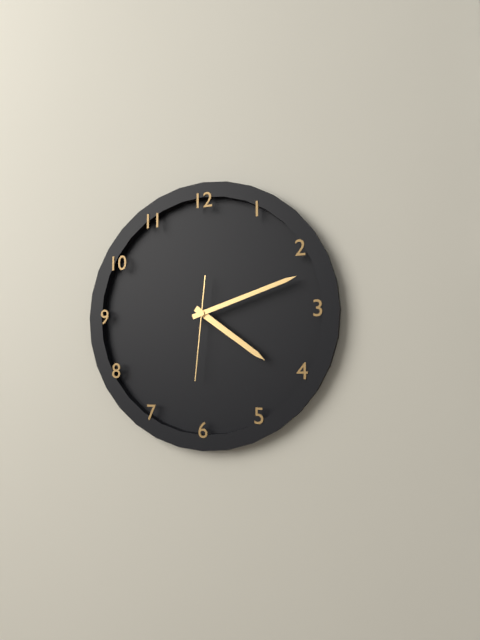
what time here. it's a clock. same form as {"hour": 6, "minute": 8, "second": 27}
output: {"hour": 4, "minute": 12, "second": 31}
